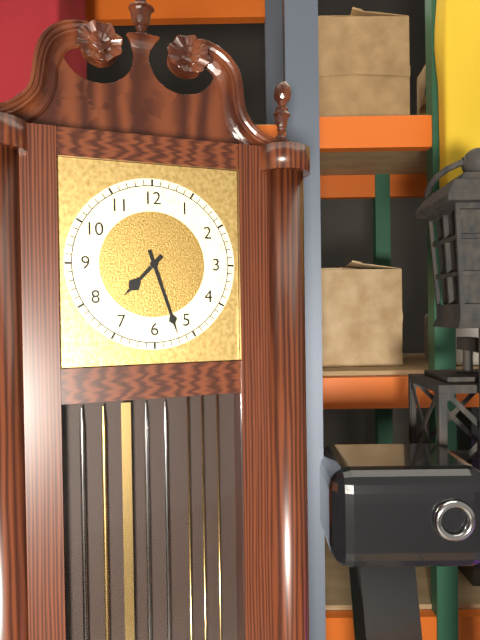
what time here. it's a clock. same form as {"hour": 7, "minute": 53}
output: {"hour": 7, "minute": 27}
